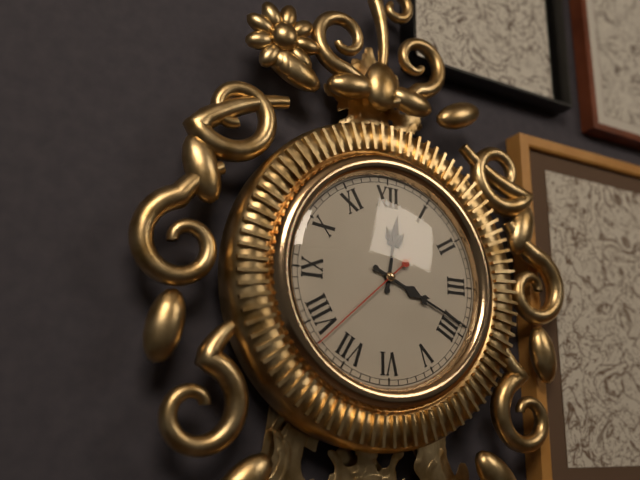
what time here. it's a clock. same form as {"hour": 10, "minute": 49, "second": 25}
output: {"hour": 12, "minute": 19, "second": 38}
